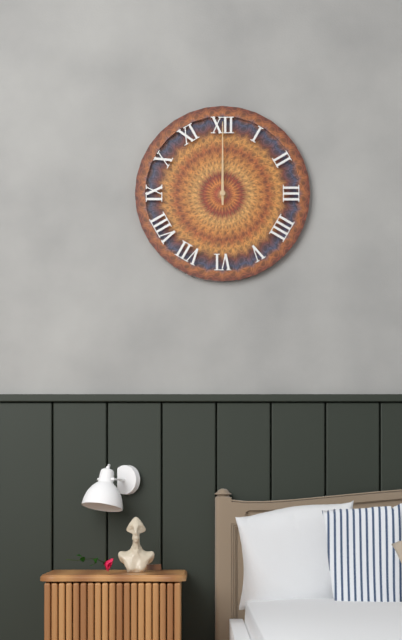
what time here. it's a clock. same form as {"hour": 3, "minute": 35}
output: {"hour": 12, "minute": 0}
